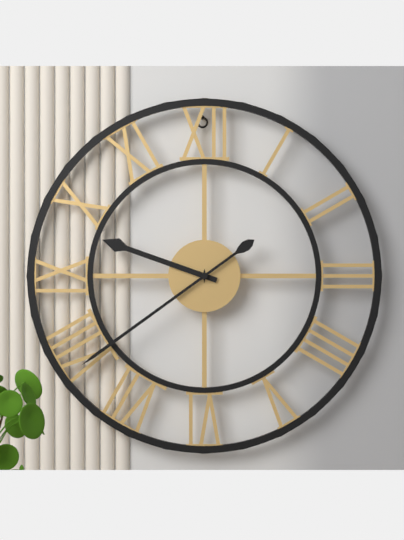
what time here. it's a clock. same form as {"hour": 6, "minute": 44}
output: {"hour": 9, "minute": 39}
